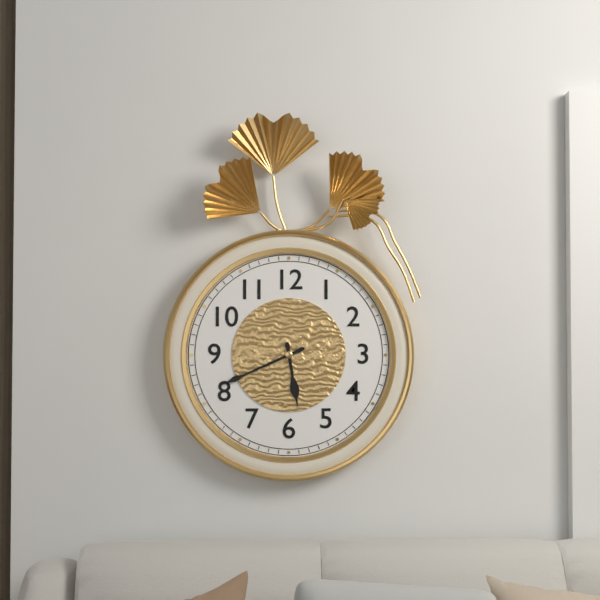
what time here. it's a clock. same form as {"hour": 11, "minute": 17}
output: {"hour": 5, "minute": 41}
